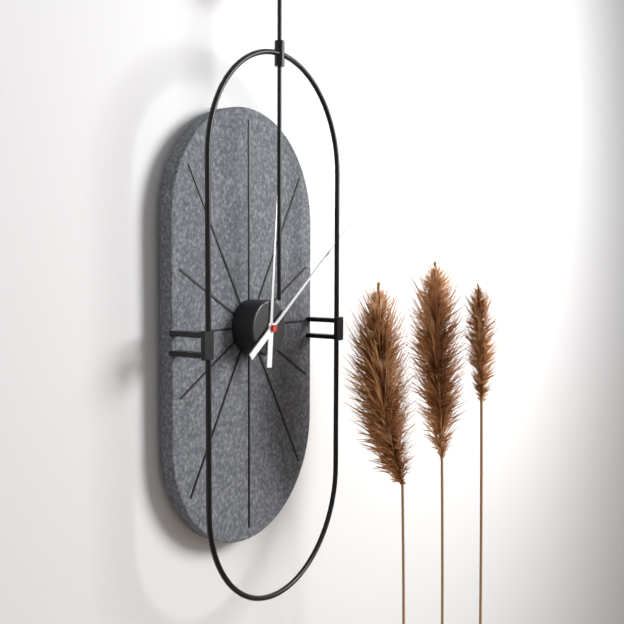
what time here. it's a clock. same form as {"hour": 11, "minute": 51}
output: {"hour": 12, "minute": 9}
